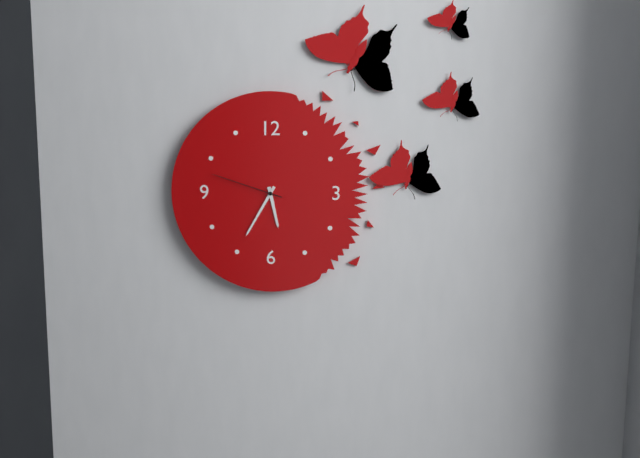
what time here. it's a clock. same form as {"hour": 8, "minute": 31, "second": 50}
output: {"hour": 5, "minute": 35, "second": 48}
